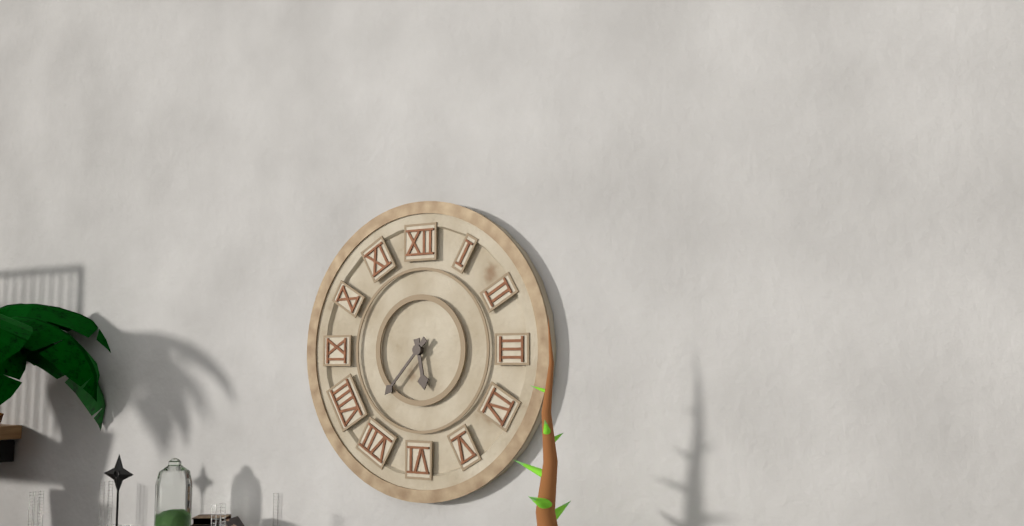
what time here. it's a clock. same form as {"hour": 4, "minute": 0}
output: {"hour": 5, "minute": 37}
